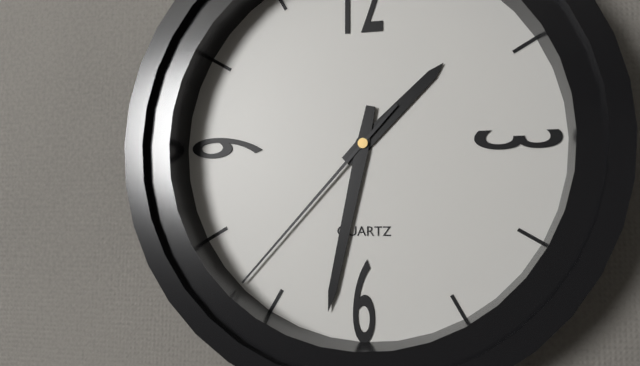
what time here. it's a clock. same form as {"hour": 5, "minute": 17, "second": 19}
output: {"hour": 1, "minute": 32, "second": 37}
